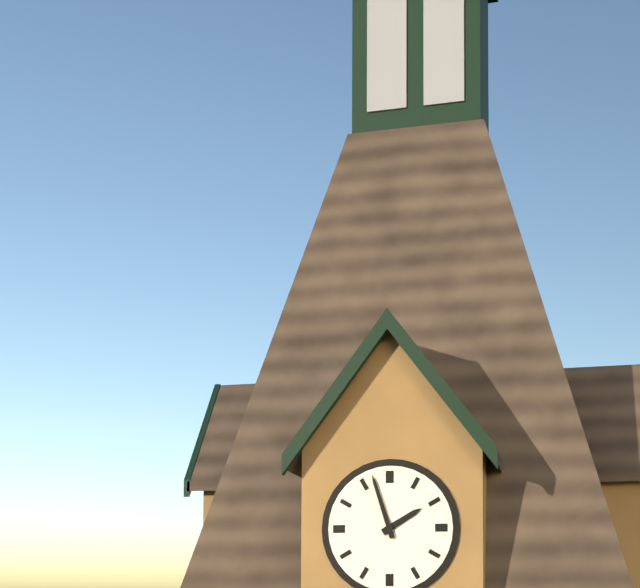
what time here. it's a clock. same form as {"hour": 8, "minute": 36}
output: {"hour": 1, "minute": 57}
